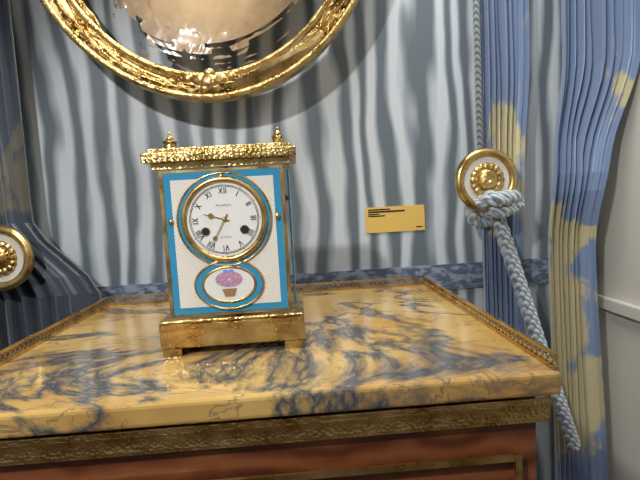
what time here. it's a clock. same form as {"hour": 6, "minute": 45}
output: {"hour": 9, "minute": 35}
